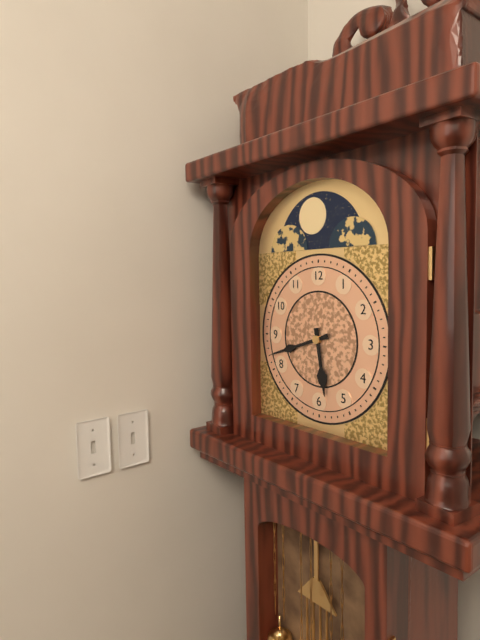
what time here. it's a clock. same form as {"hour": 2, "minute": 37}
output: {"hour": 5, "minute": 42}
